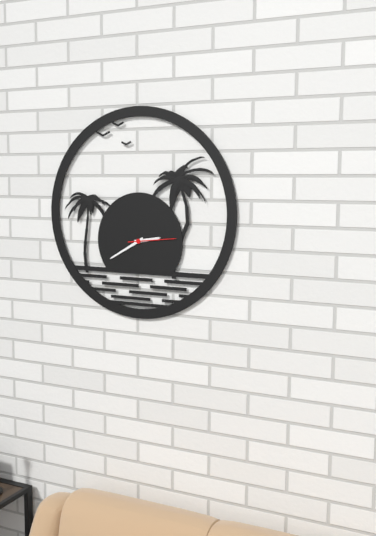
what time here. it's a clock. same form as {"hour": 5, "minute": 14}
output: {"hour": 2, "minute": 40}
